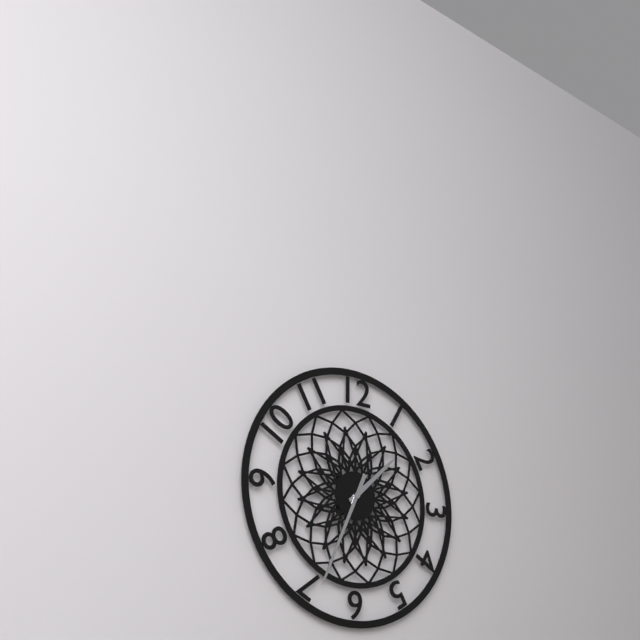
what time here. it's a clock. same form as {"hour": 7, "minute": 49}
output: {"hour": 1, "minute": 34}
